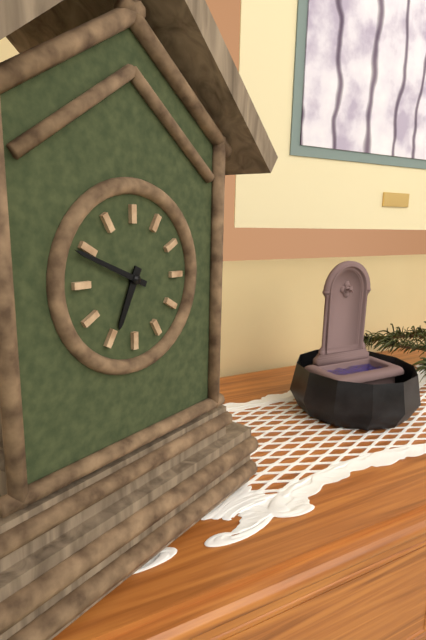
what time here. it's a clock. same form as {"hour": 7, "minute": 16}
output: {"hour": 6, "minute": 49}
